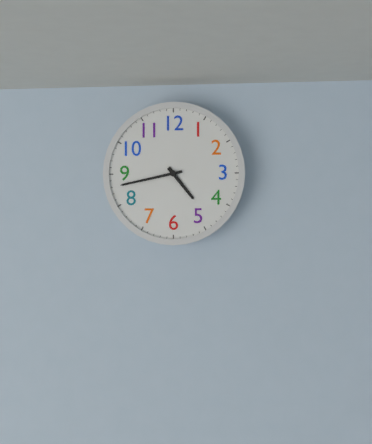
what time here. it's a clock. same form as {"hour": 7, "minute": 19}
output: {"hour": 4, "minute": 43}
